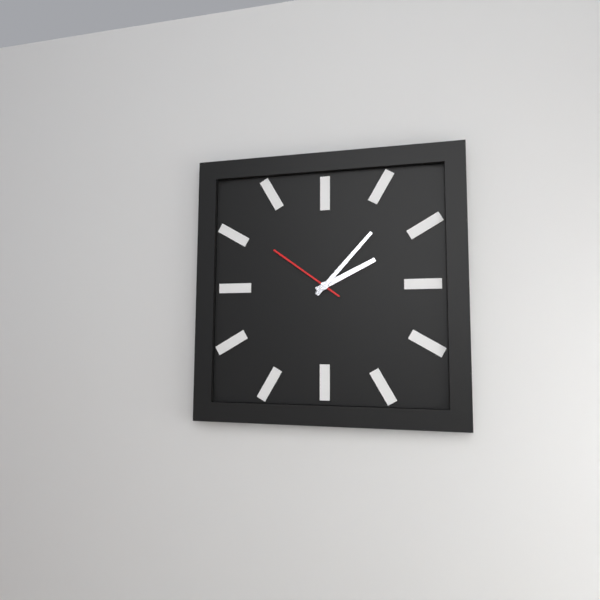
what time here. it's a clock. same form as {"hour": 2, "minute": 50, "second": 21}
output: {"hour": 2, "minute": 7, "second": 51}
